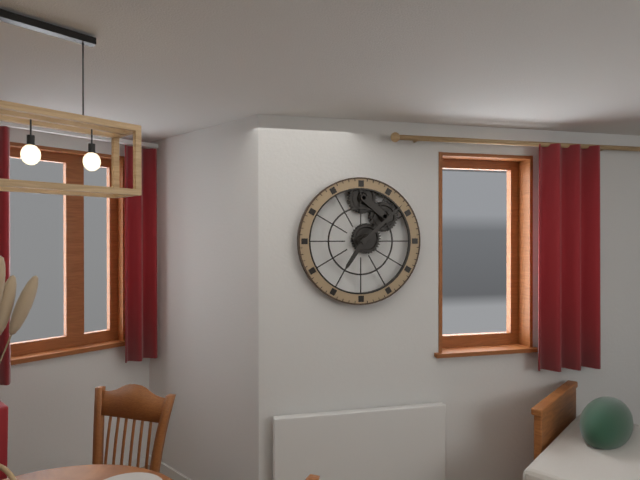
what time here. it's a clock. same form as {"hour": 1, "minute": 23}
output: {"hour": 7, "minute": 8}
